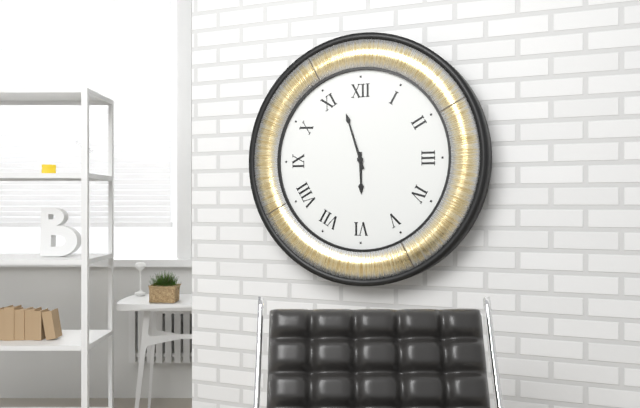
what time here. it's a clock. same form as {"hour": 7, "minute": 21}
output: {"hour": 5, "minute": 57}
